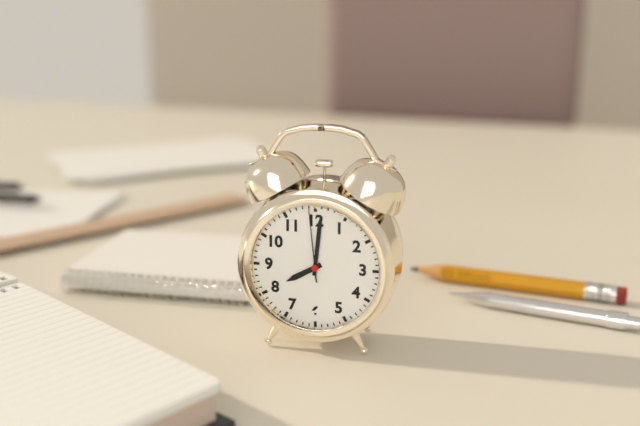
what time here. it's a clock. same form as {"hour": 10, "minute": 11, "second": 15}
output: {"hour": 8, "minute": 1, "second": 59}
